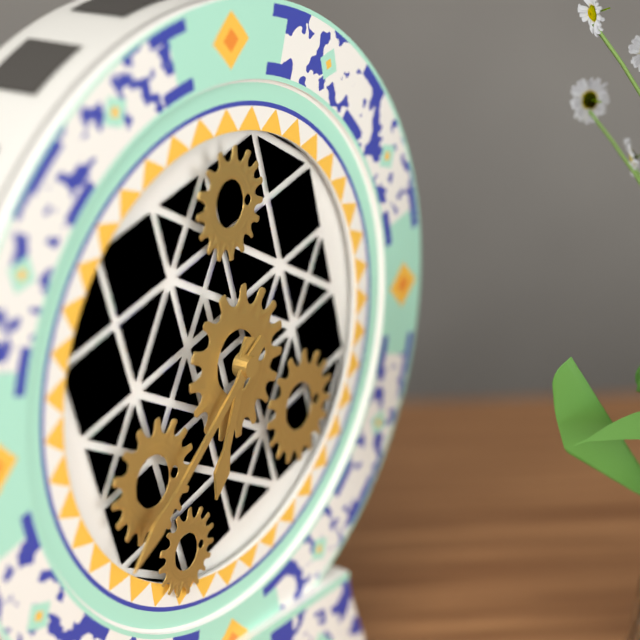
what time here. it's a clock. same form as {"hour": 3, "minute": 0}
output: {"hour": 6, "minute": 38}
